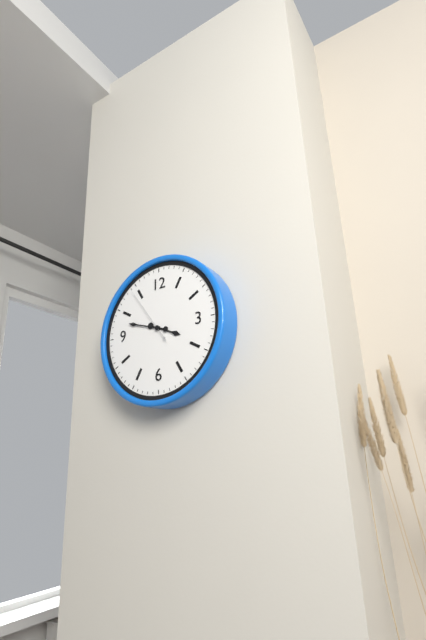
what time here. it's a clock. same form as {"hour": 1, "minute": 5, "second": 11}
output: {"hour": 3, "minute": 48, "second": 54}
